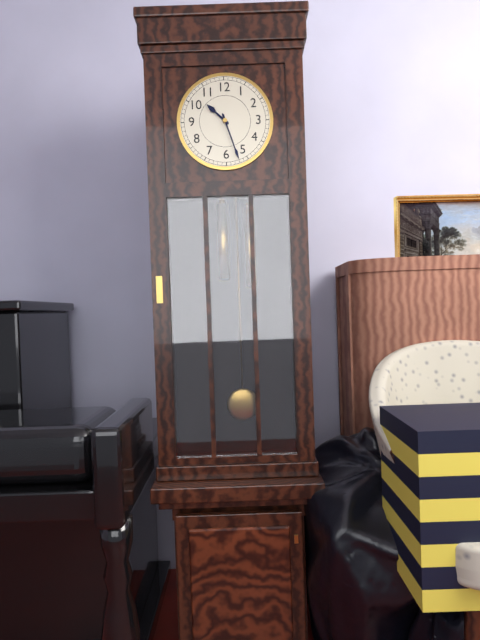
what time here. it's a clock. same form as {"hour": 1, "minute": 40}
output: {"hour": 10, "minute": 27}
